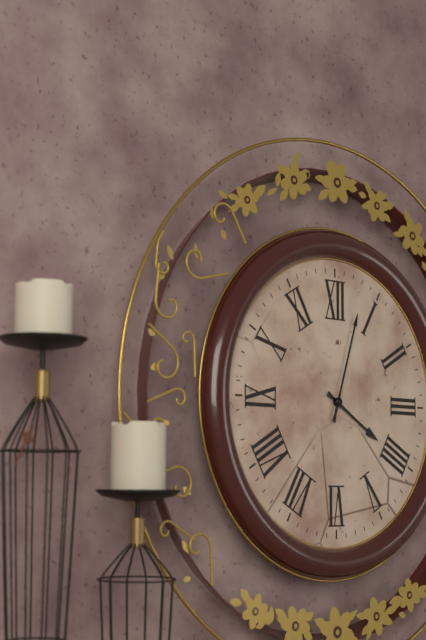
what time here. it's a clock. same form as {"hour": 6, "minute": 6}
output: {"hour": 4, "minute": 3}
